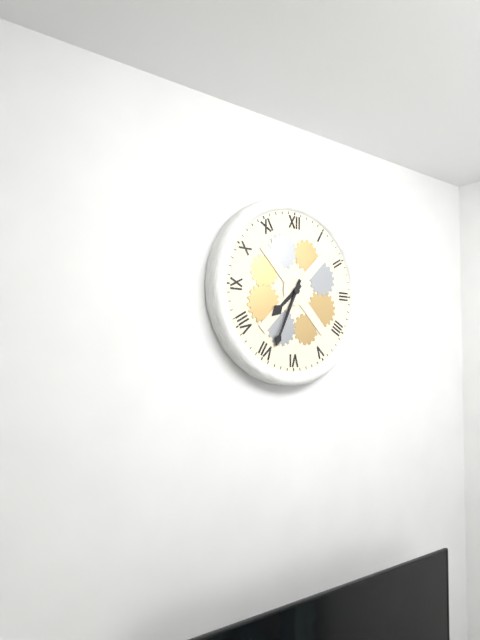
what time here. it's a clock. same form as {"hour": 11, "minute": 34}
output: {"hour": 7, "minute": 34}
